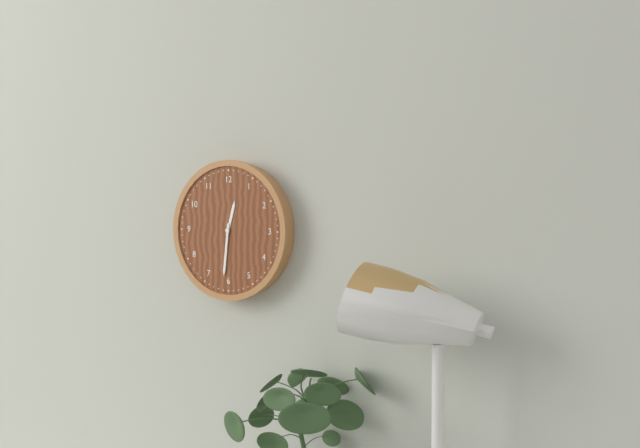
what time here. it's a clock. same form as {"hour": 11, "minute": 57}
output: {"hour": 12, "minute": 31}
